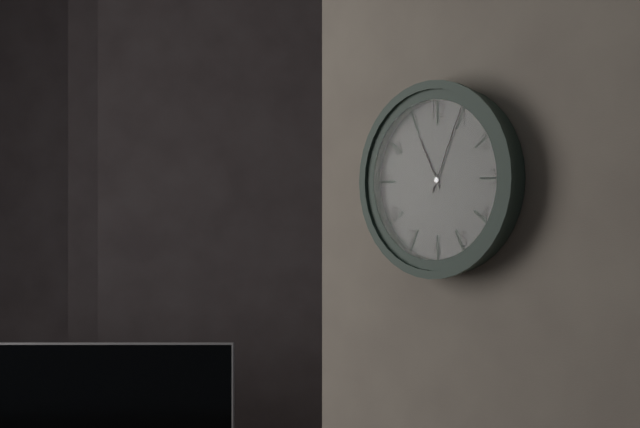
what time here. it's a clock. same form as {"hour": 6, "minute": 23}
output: {"hour": 11, "minute": 4}
